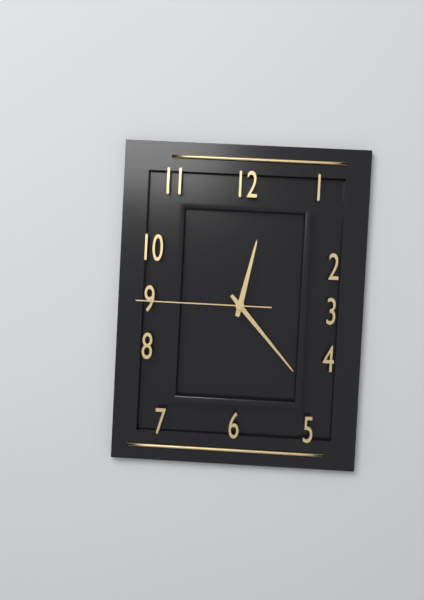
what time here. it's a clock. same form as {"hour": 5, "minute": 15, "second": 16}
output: {"hour": 12, "minute": 23, "second": 45}
